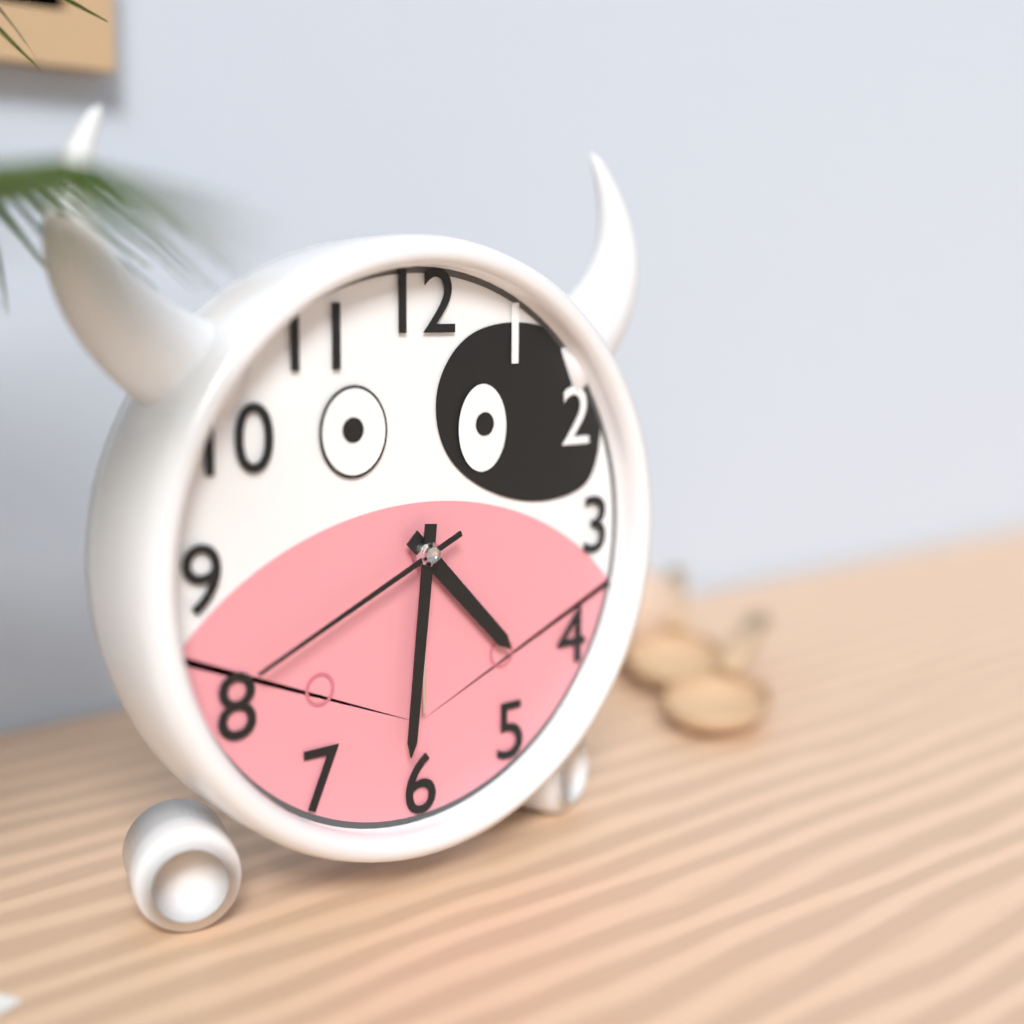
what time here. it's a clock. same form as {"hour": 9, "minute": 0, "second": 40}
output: {"hour": 4, "minute": 31, "second": 41}
